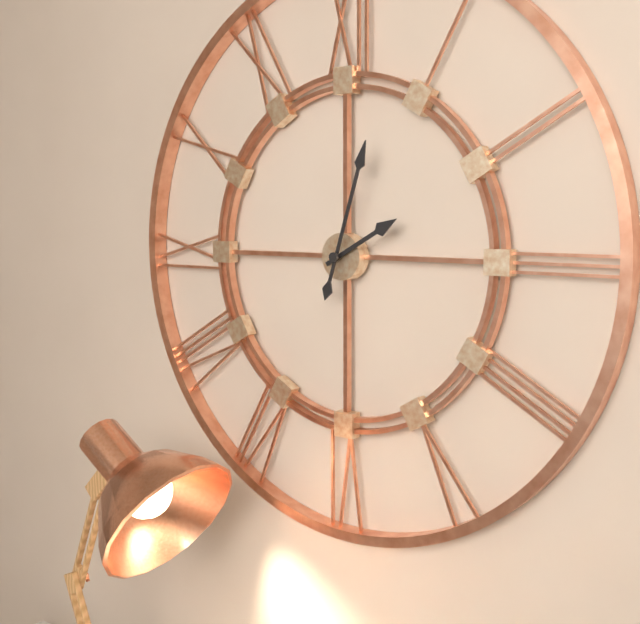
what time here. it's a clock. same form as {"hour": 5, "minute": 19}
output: {"hour": 2, "minute": 3}
